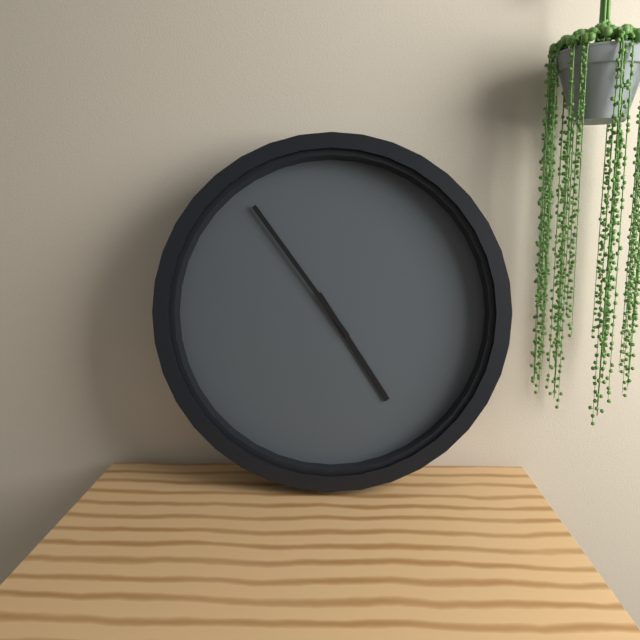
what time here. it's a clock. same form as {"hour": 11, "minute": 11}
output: {"hour": 4, "minute": 54}
